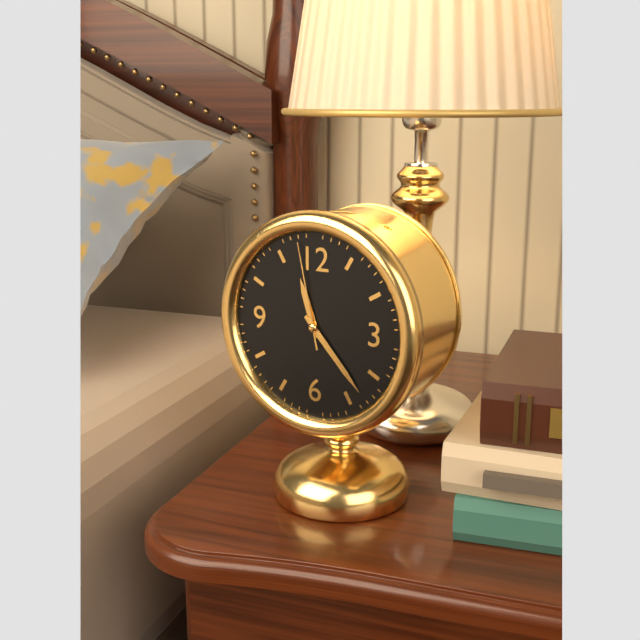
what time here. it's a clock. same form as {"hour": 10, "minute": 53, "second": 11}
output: {"hour": 11, "minute": 23, "second": 58}
